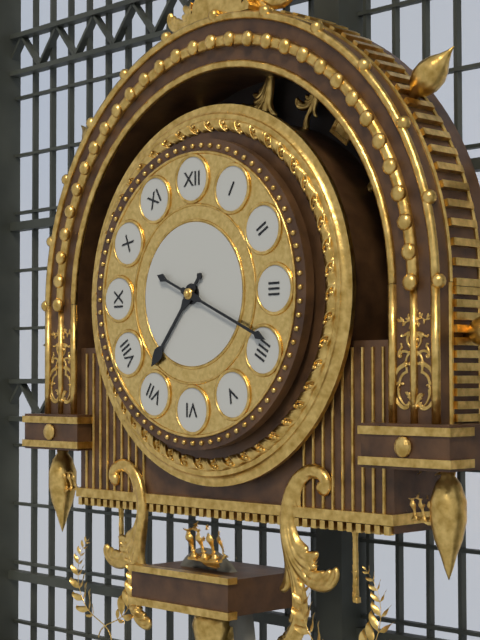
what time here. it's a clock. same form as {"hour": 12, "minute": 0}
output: {"hour": 7, "minute": 19}
